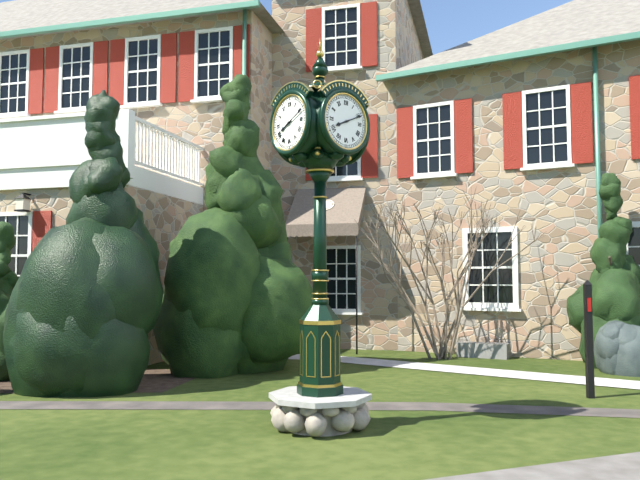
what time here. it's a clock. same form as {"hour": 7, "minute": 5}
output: {"hour": 8, "minute": 11}
